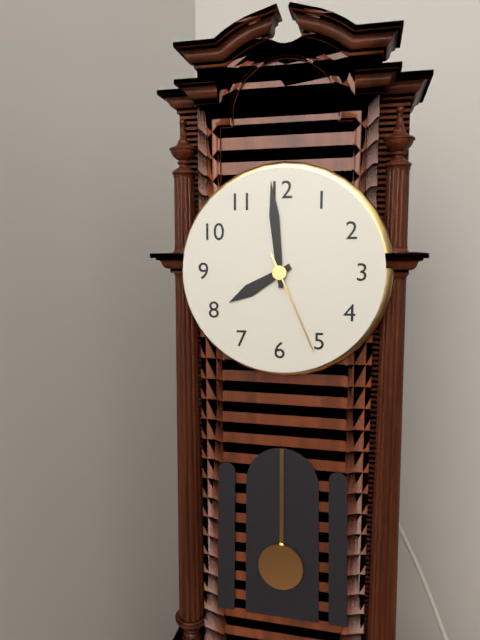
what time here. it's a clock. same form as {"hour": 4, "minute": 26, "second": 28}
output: {"hour": 7, "minute": 59, "second": 26}
